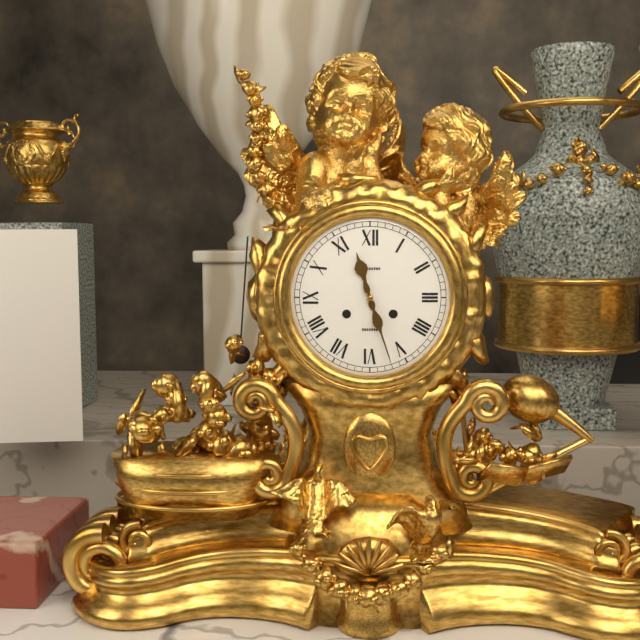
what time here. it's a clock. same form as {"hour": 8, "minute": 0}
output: {"hour": 11, "minute": 27}
